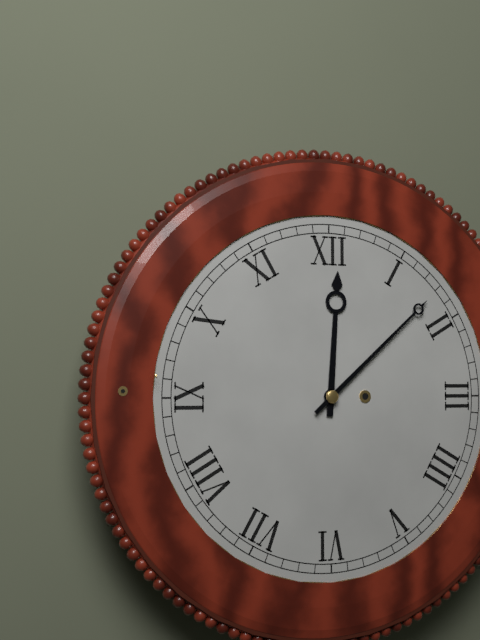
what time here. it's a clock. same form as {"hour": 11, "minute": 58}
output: {"hour": 12, "minute": 8}
